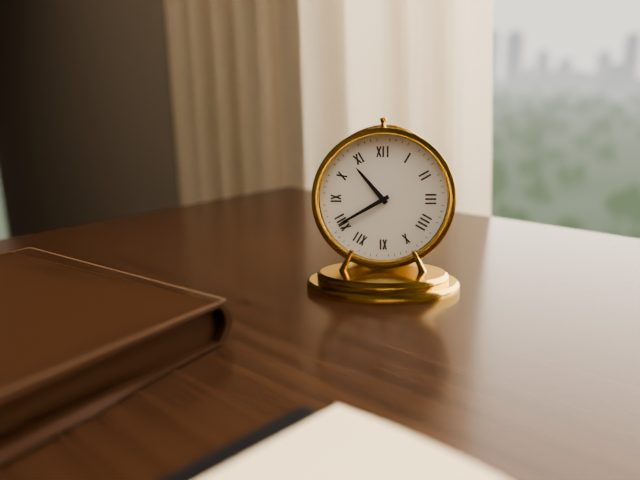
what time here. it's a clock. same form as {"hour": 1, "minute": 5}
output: {"hour": 10, "minute": 40}
